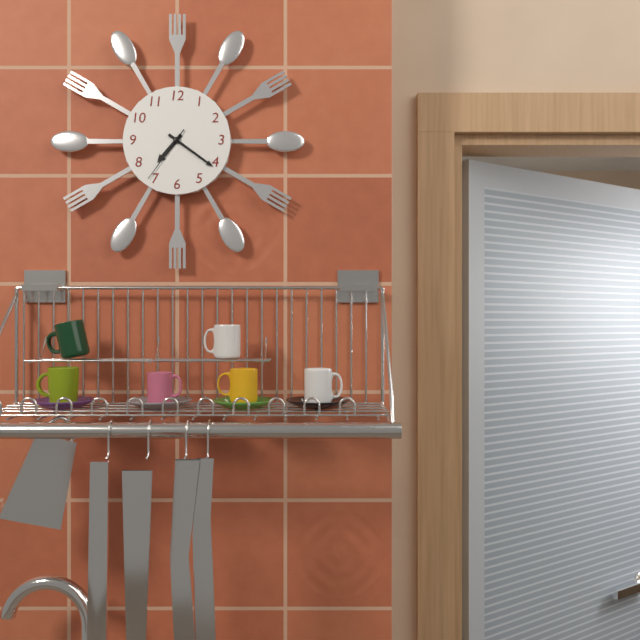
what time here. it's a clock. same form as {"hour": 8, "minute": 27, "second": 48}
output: {"hour": 7, "minute": 21, "second": 36}
